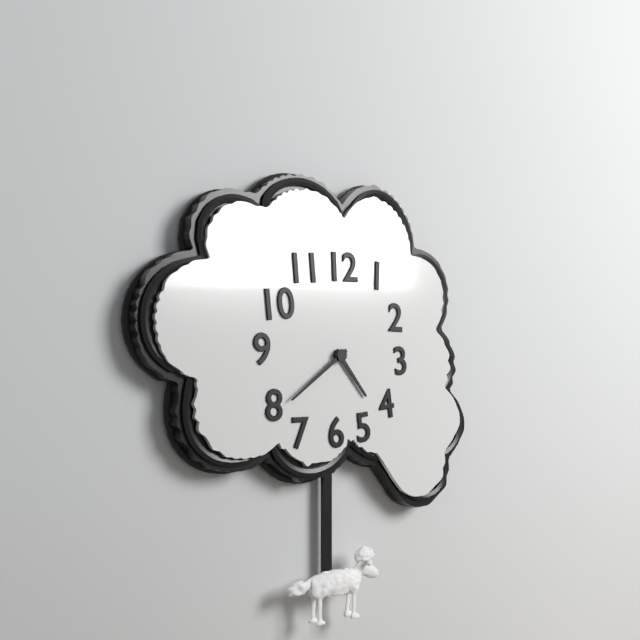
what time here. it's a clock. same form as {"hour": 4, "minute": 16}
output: {"hour": 4, "minute": 39}
